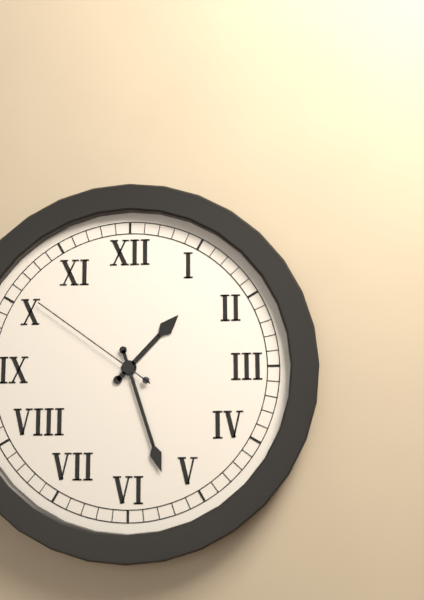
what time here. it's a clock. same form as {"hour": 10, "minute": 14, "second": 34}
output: {"hour": 1, "minute": 27, "second": 51}
